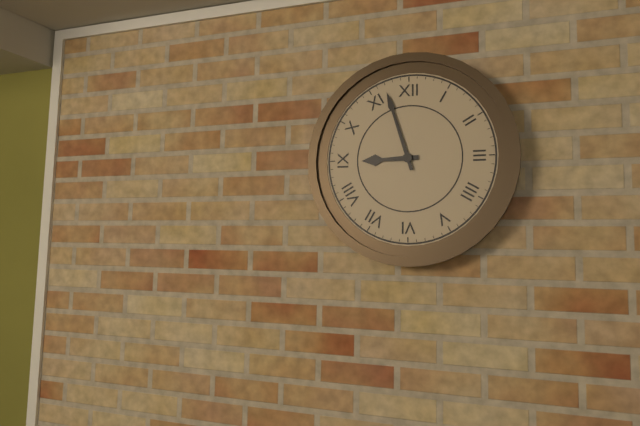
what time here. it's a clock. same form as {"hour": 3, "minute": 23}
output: {"hour": 8, "minute": 57}
